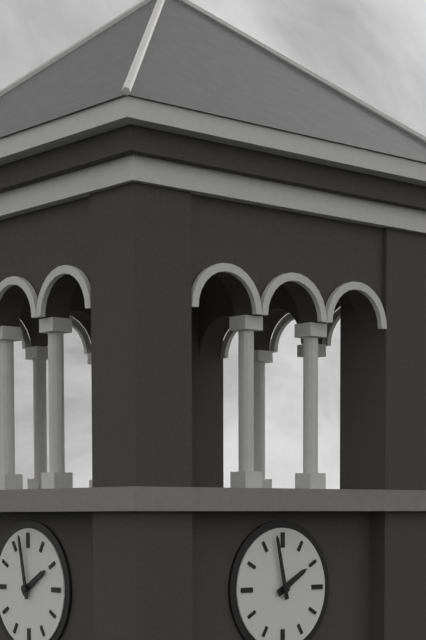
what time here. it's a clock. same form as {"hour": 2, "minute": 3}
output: {"hour": 1, "minute": 58}
